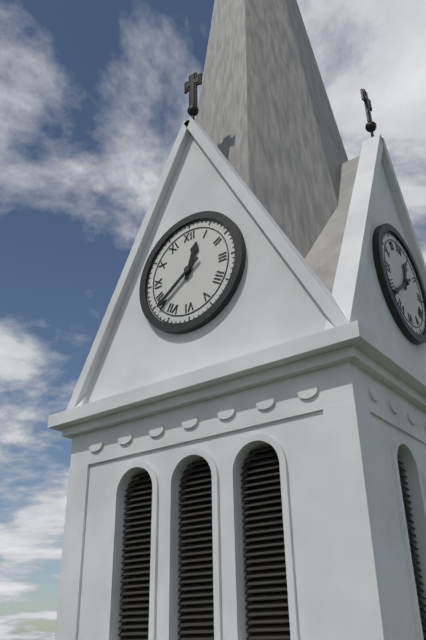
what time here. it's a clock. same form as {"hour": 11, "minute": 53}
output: {"hour": 12, "minute": 39}
